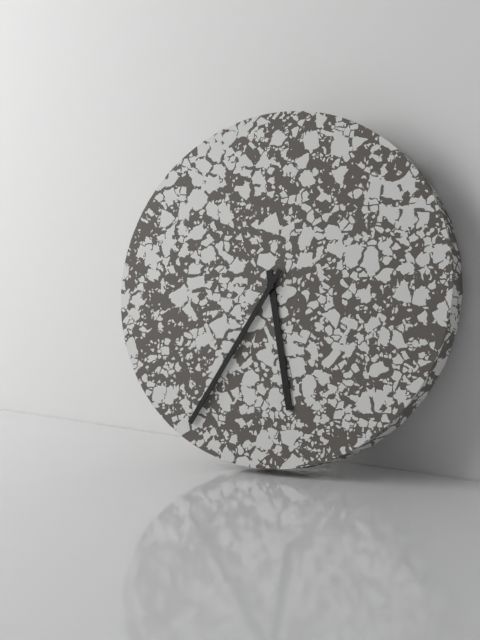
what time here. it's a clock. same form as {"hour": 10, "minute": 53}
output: {"hour": 5, "minute": 35}
